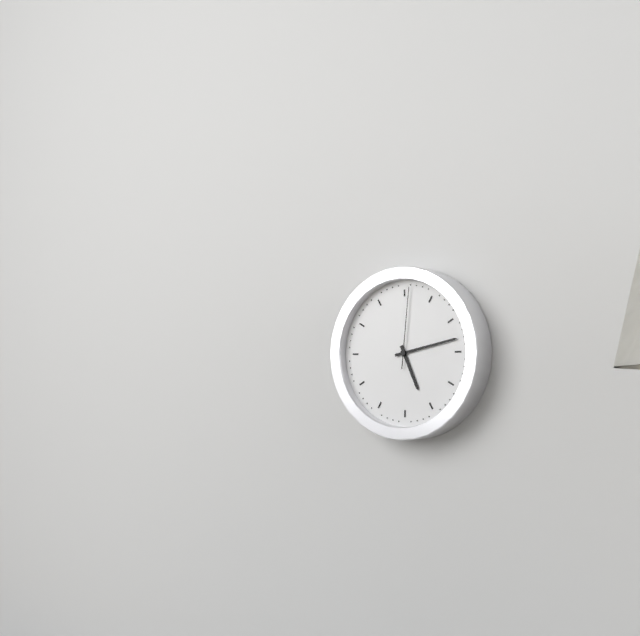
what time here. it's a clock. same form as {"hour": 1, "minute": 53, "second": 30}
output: {"hour": 5, "minute": 13, "second": 1}
